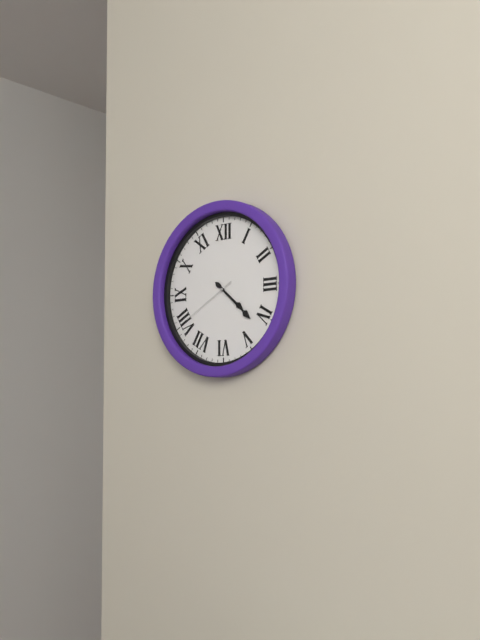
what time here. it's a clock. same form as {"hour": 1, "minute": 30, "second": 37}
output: {"hour": 4, "minute": 22, "second": 40}
